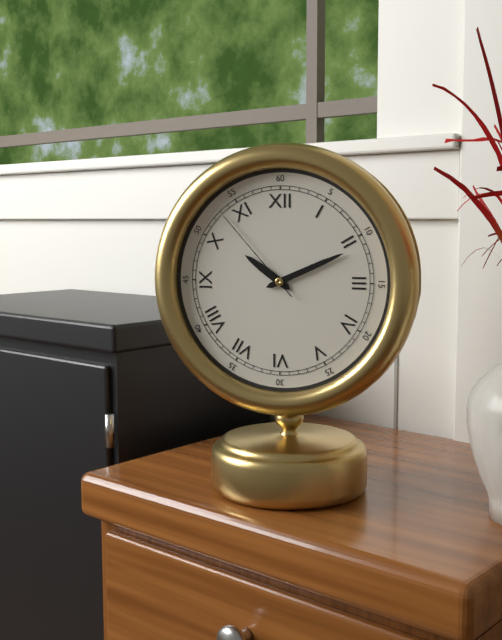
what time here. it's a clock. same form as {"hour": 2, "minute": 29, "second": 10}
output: {"hour": 10, "minute": 11, "second": 53}
